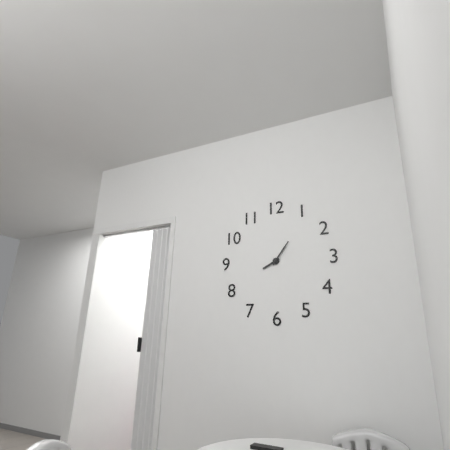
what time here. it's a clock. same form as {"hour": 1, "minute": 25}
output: {"hour": 8, "minute": 6}
